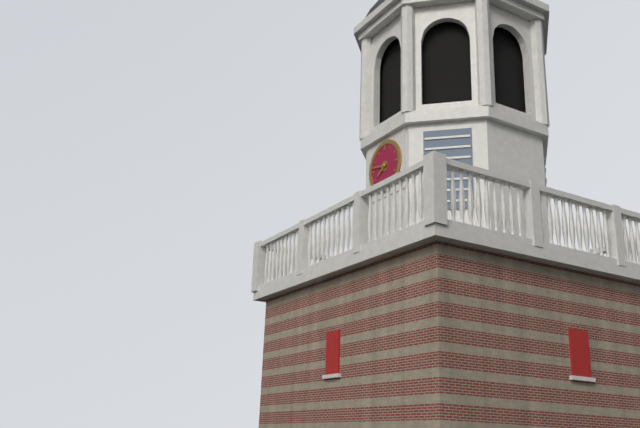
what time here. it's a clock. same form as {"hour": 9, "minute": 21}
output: {"hour": 7, "minute": 47}
